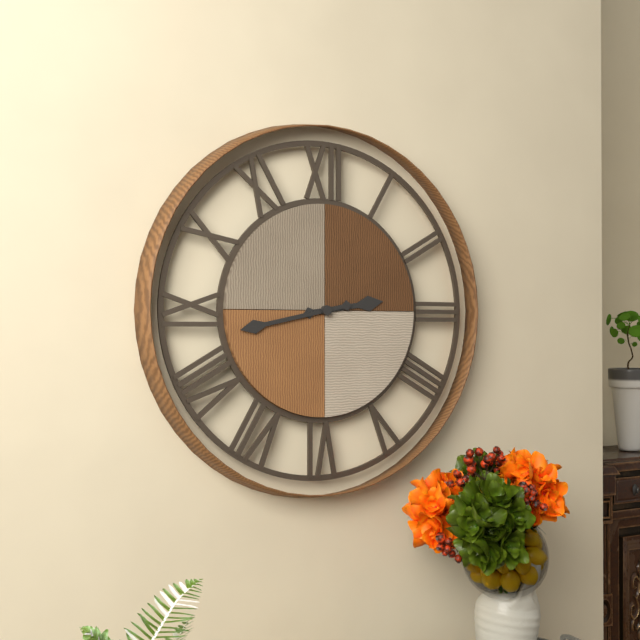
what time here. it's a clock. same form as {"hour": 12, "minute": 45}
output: {"hour": 2, "minute": 43}
